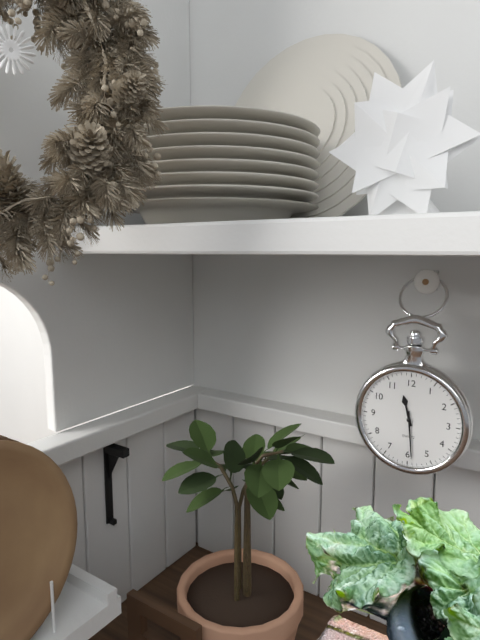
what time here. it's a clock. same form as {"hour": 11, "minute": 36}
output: {"hour": 11, "minute": 29}
